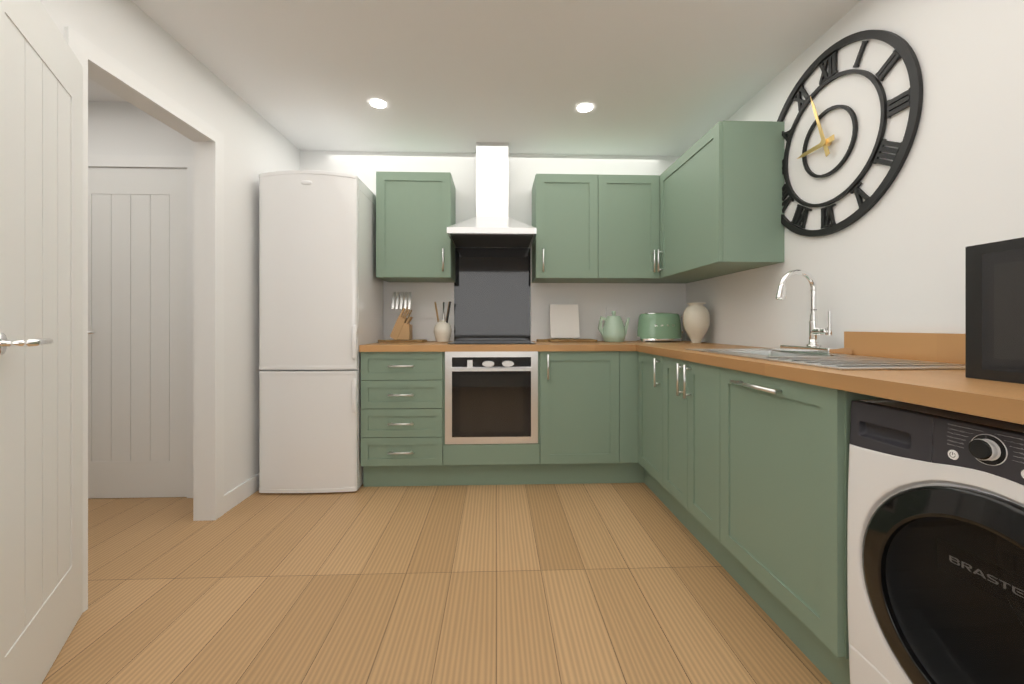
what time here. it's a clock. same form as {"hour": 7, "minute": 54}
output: {"hour": 8, "minute": 57}
